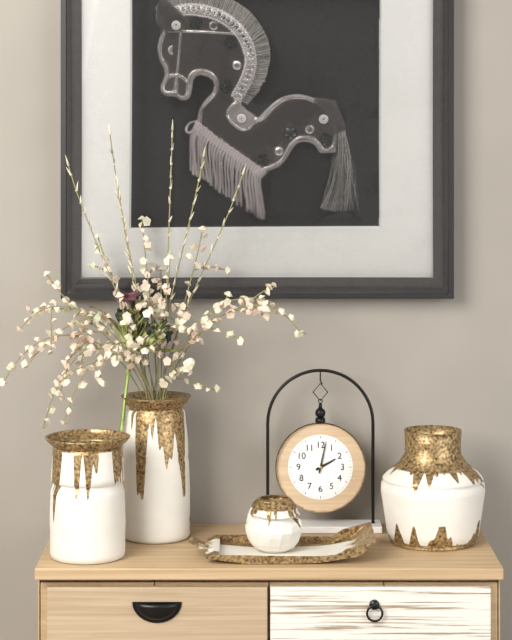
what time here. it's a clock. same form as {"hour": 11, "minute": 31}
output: {"hour": 2, "minute": 2}
